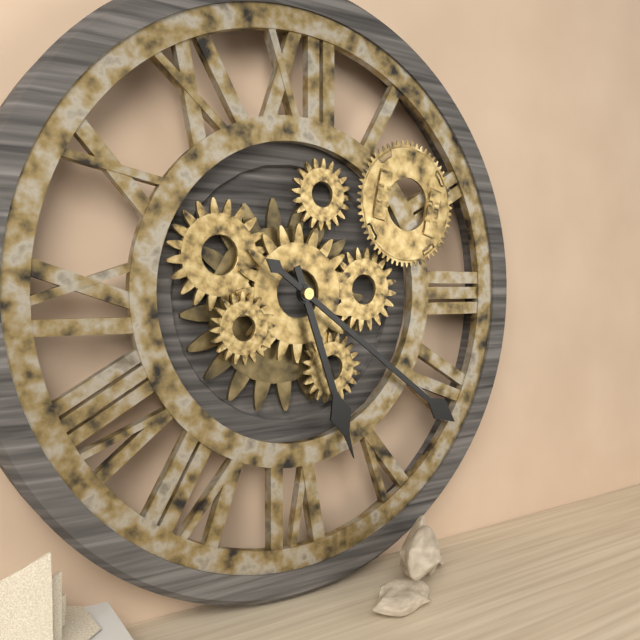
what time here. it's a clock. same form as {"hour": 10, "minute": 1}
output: {"hour": 5, "minute": 21}
